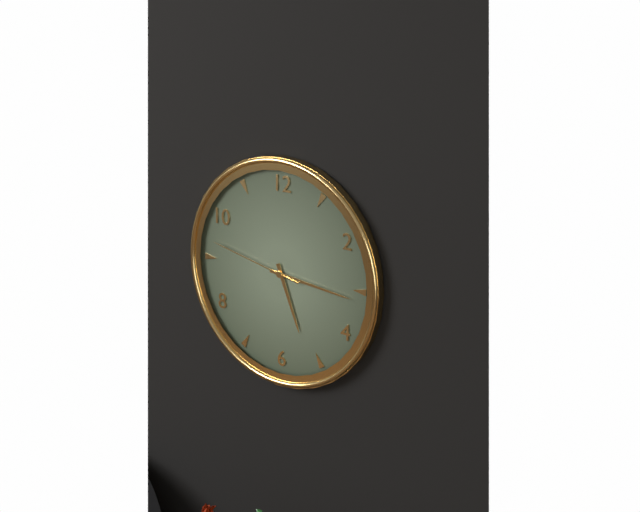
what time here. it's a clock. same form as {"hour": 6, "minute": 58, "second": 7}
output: {"hour": 5, "minute": 16, "second": 47}
